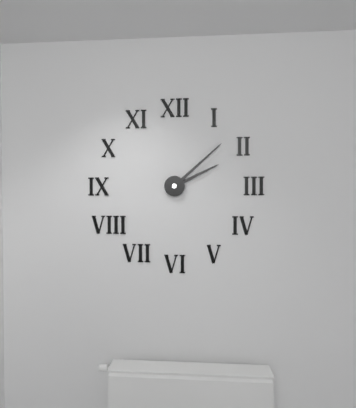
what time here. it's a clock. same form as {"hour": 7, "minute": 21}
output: {"hour": 2, "minute": 8}
